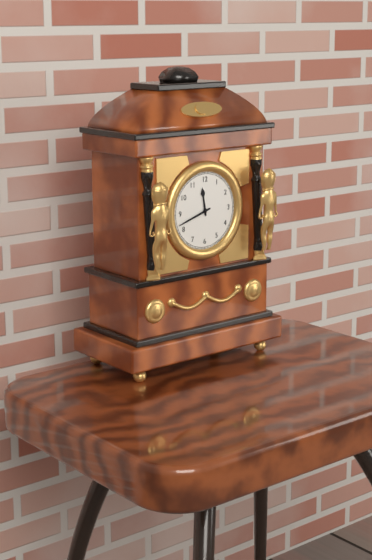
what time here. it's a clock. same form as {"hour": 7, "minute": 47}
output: {"hour": 11, "minute": 42}
